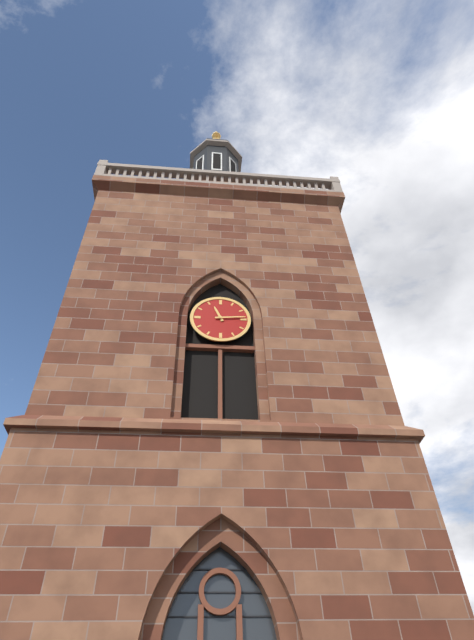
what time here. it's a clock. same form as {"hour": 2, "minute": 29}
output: {"hour": 11, "minute": 14}
